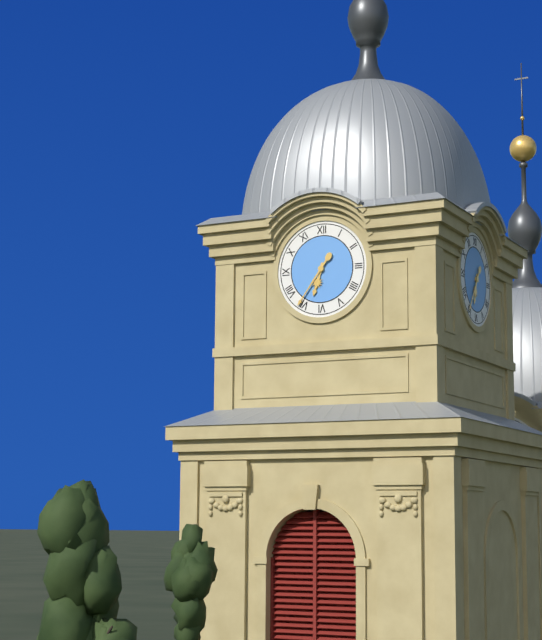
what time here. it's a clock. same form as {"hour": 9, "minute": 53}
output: {"hour": 6, "minute": 36}
